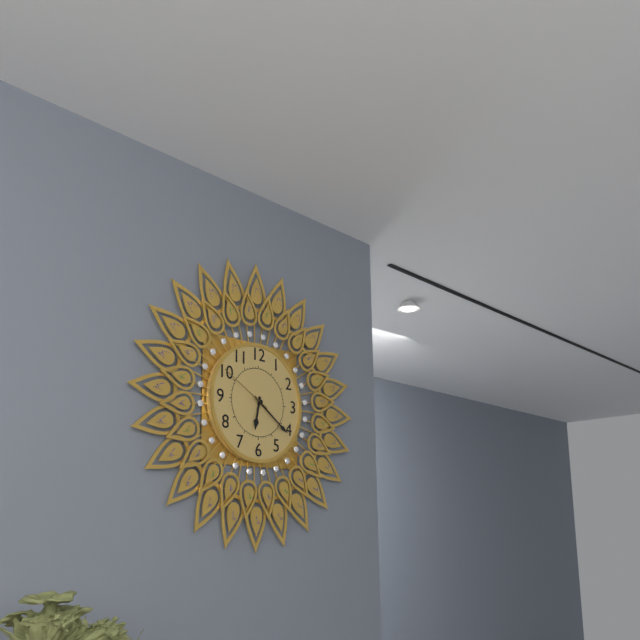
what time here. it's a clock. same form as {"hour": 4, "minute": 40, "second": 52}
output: {"hour": 6, "minute": 21, "second": 50}
